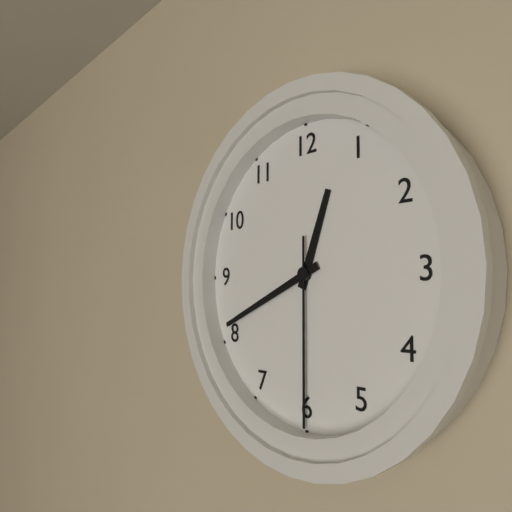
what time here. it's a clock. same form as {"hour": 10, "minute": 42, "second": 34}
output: {"hour": 12, "minute": 41, "second": 30}
